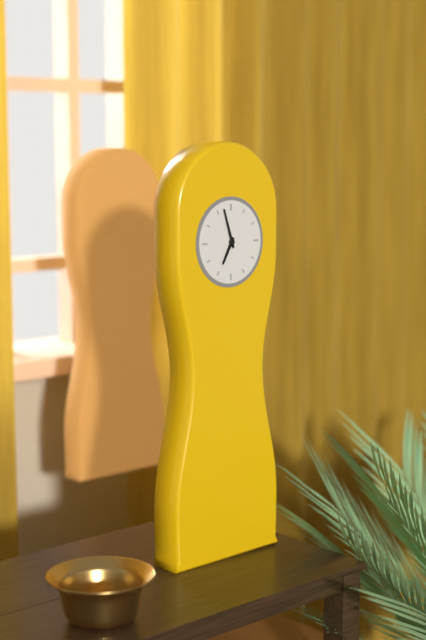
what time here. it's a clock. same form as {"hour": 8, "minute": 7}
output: {"hour": 6, "minute": 57}
